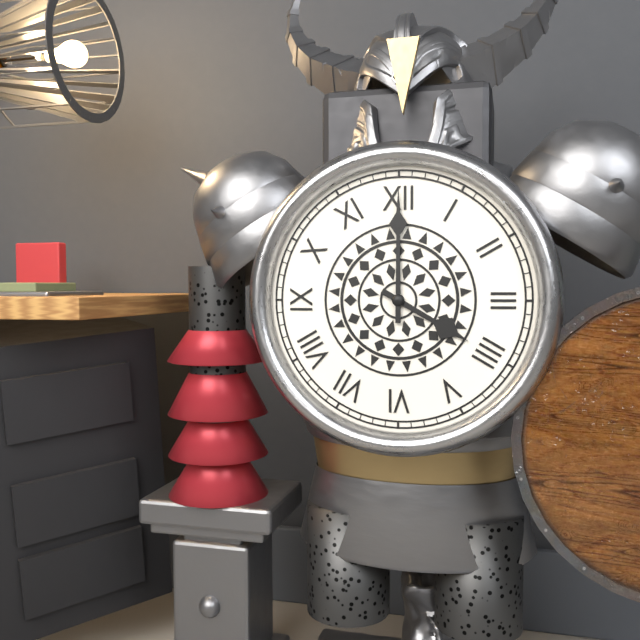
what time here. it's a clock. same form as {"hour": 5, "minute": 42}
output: {"hour": 4, "minute": 0}
